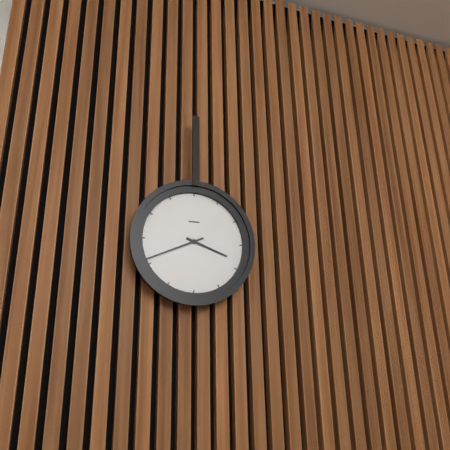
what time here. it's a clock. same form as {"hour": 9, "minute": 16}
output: {"hour": 3, "minute": 41}
